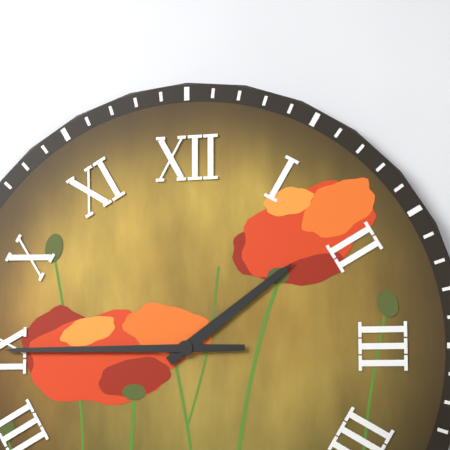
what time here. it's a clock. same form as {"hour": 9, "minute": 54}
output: {"hour": 1, "minute": 45}
